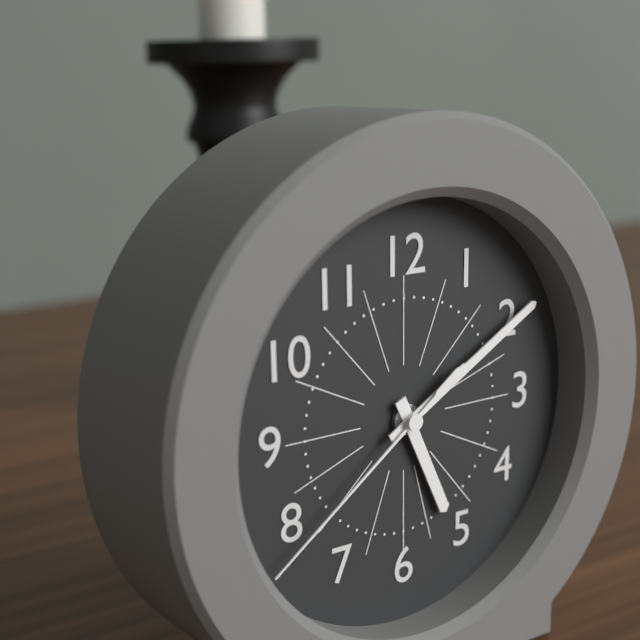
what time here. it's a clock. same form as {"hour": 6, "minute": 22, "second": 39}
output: {"hour": 5, "minute": 10, "second": 39}
